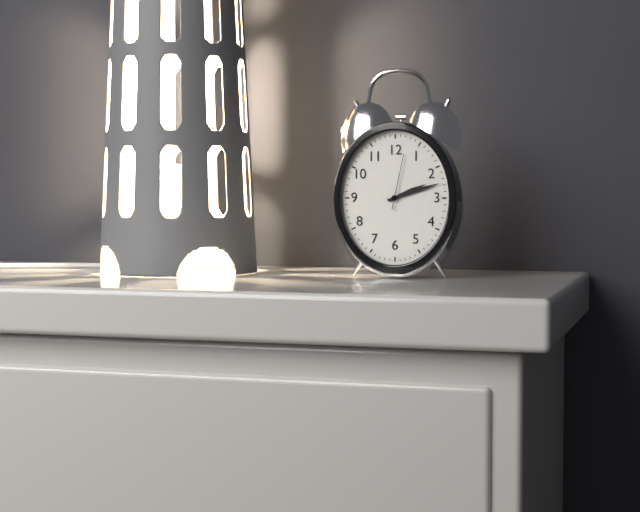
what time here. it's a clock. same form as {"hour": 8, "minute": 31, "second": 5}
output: {"hour": 2, "minute": 12, "second": 2}
